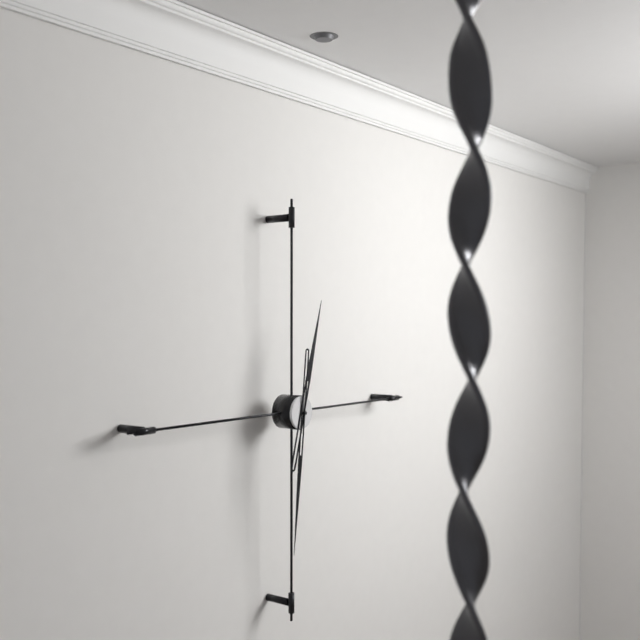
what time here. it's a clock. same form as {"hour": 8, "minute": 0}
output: {"hour": 12, "minute": 31}
